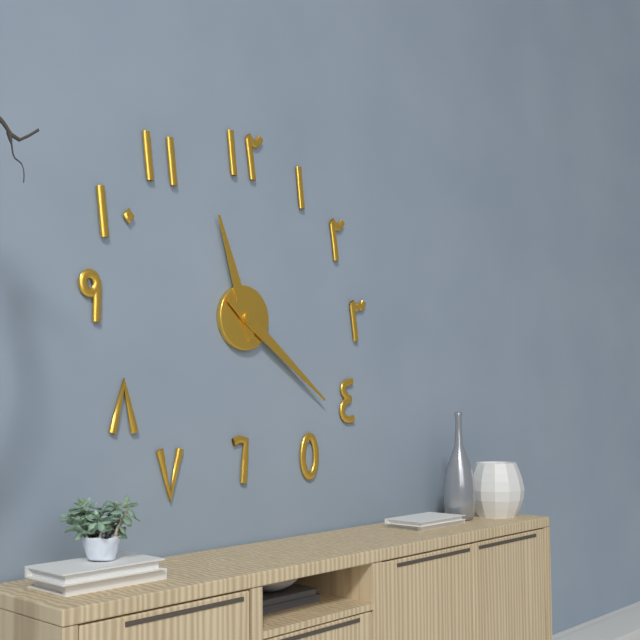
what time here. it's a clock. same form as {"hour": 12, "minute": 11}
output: {"hour": 11, "minute": 21}
